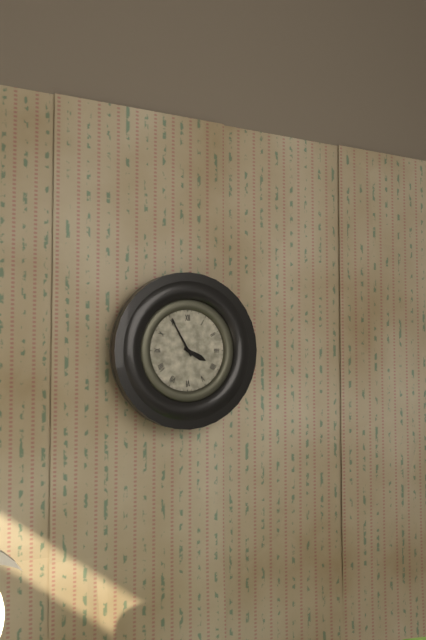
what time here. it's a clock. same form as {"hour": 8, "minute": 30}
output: {"hour": 3, "minute": 55}
